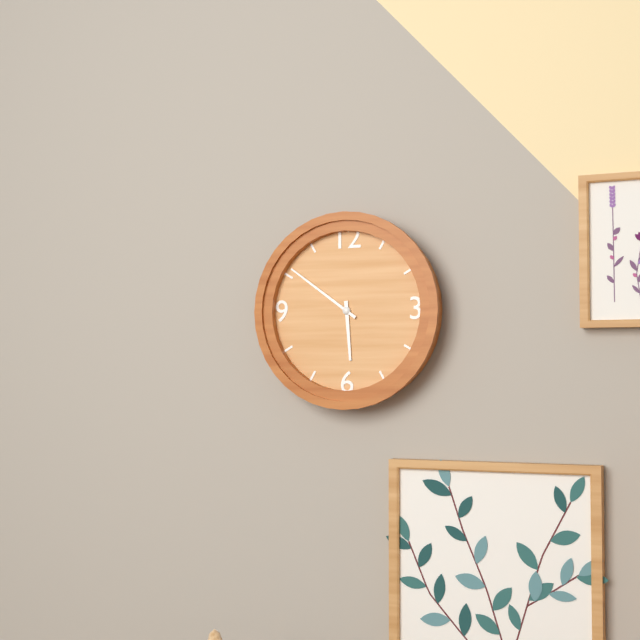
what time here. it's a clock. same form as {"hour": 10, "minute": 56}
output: {"hour": 5, "minute": 51}
